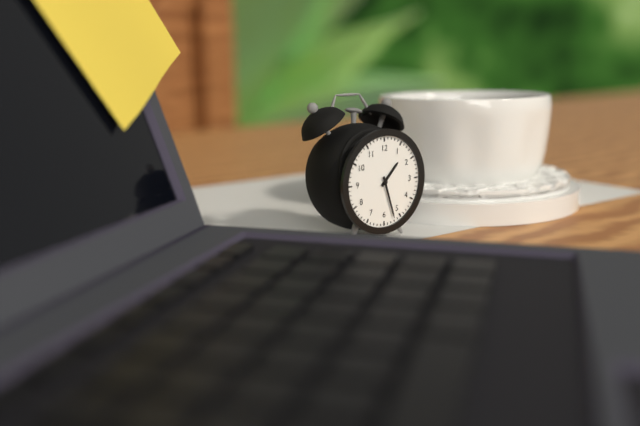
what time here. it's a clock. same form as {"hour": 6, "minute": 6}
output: {"hour": 1, "minute": 27}
